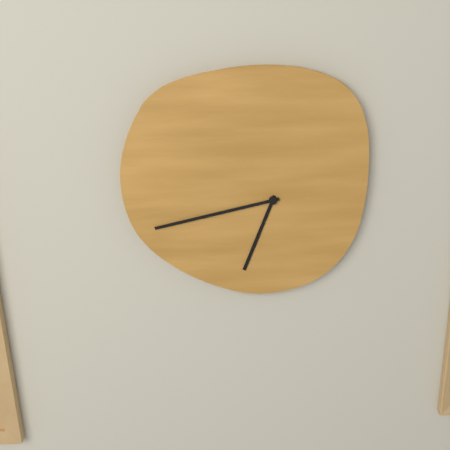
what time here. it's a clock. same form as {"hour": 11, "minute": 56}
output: {"hour": 6, "minute": 43}
